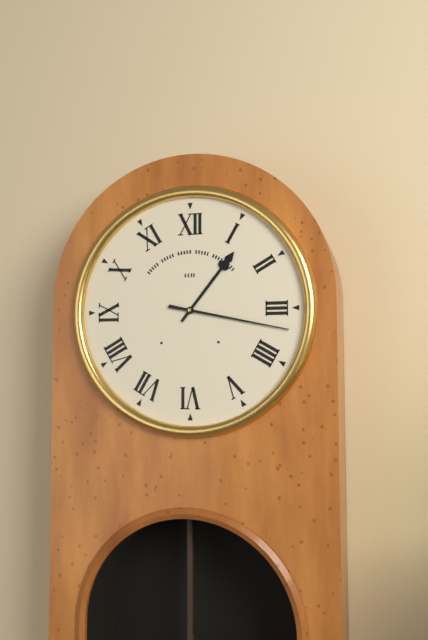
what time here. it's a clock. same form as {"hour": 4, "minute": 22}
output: {"hour": 1, "minute": 17}
